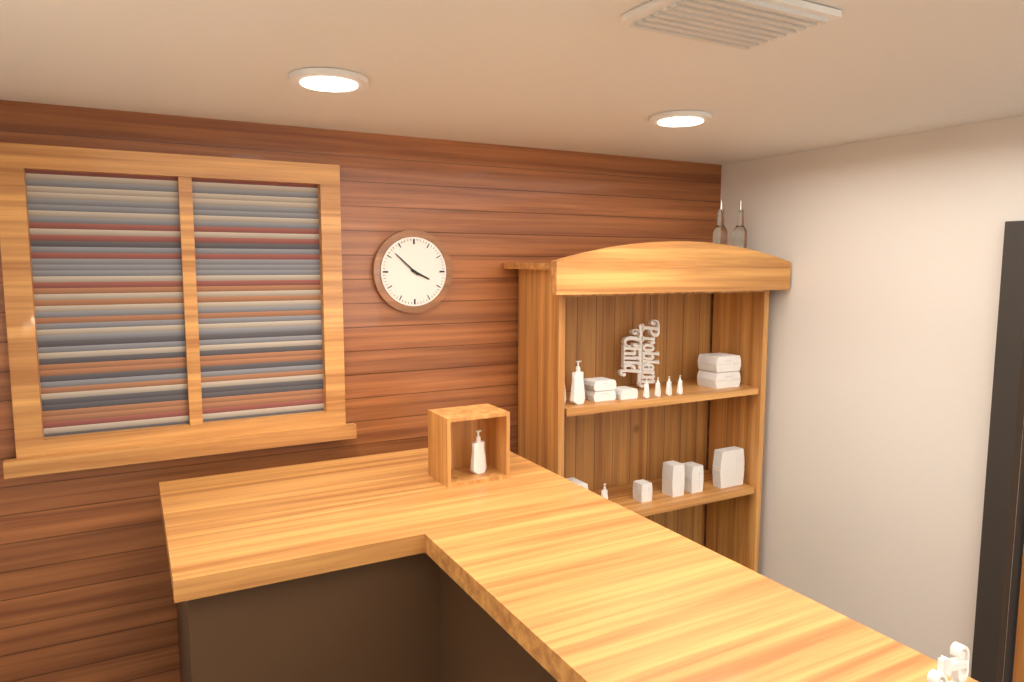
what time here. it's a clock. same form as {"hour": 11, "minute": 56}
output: {"hour": 3, "minute": 52}
